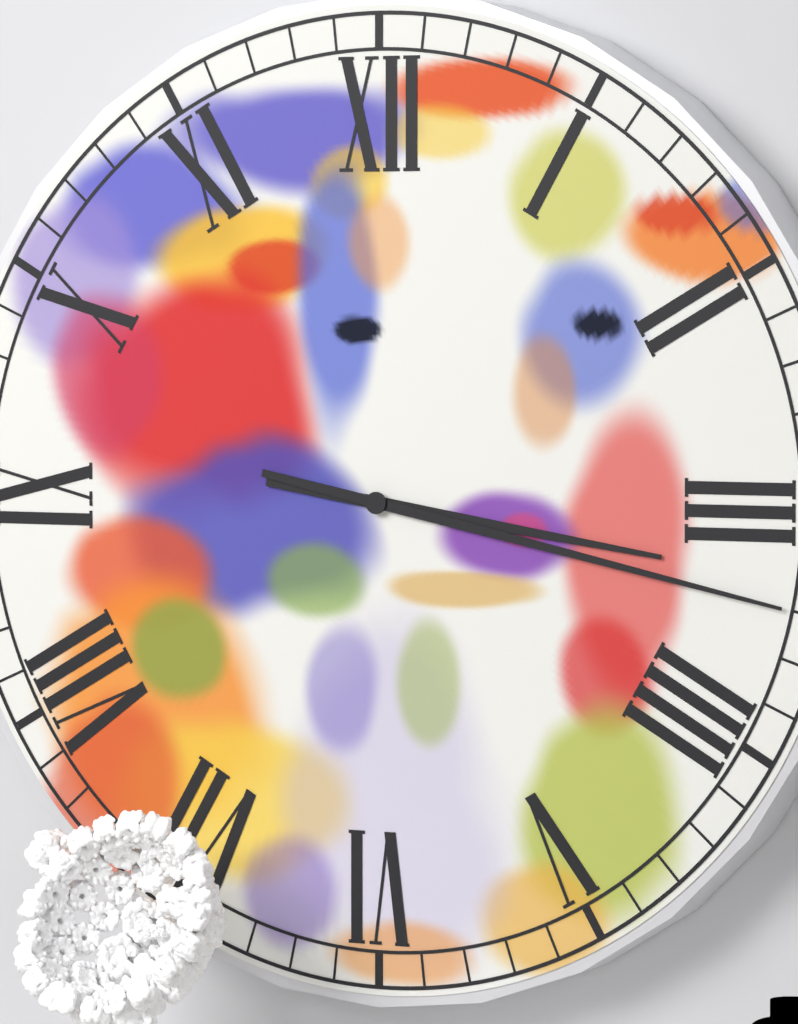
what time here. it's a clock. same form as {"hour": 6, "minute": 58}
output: {"hour": 3, "minute": 17}
